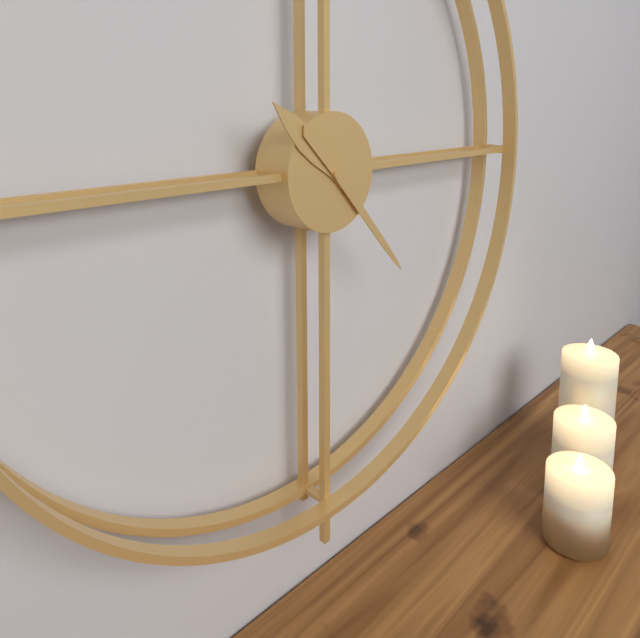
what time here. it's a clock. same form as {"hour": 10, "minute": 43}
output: {"hour": 10, "minute": 23}
